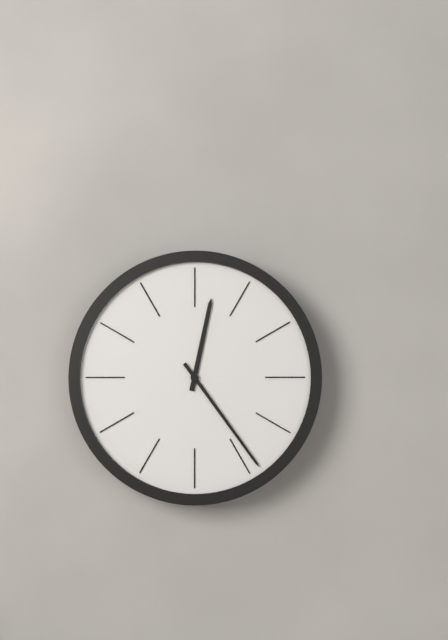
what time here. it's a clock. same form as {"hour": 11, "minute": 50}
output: {"hour": 12, "minute": 24}
